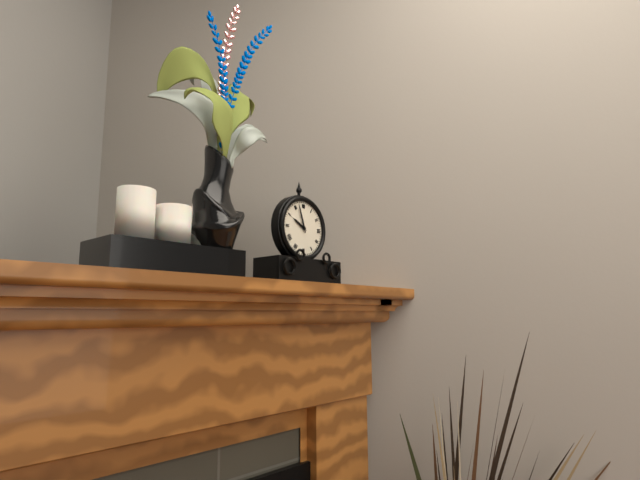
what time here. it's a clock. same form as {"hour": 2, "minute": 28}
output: {"hour": 9, "minute": 57}
